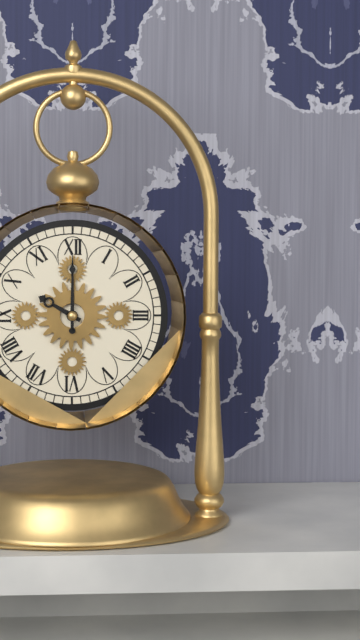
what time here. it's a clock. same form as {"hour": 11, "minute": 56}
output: {"hour": 10, "minute": 0}
